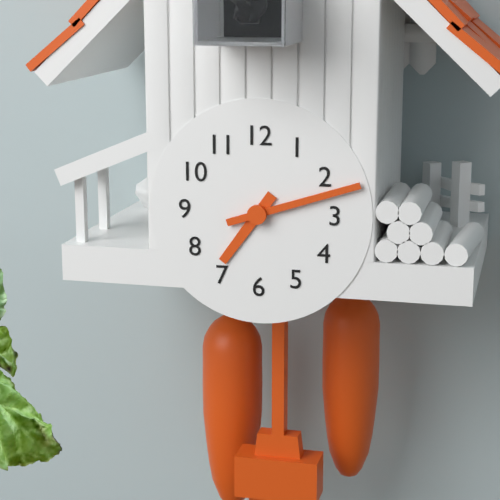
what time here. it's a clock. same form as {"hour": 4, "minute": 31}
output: {"hour": 7, "minute": 12}
